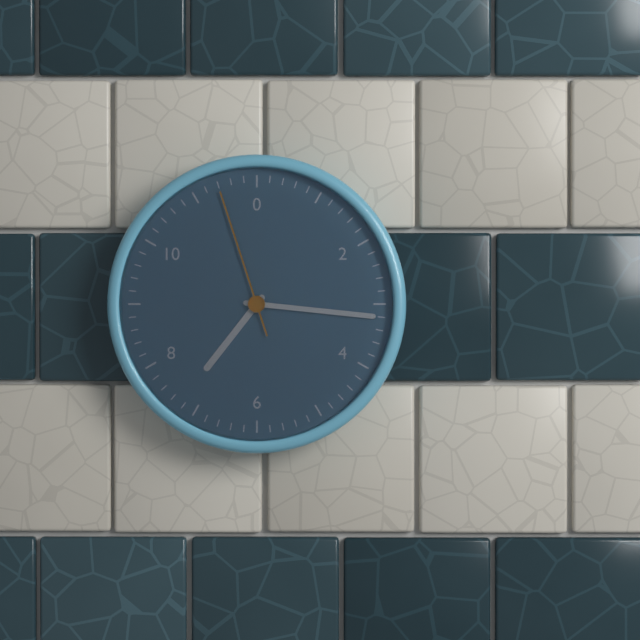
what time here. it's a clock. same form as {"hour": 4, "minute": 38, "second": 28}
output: {"hour": 7, "minute": 16, "second": 57}
